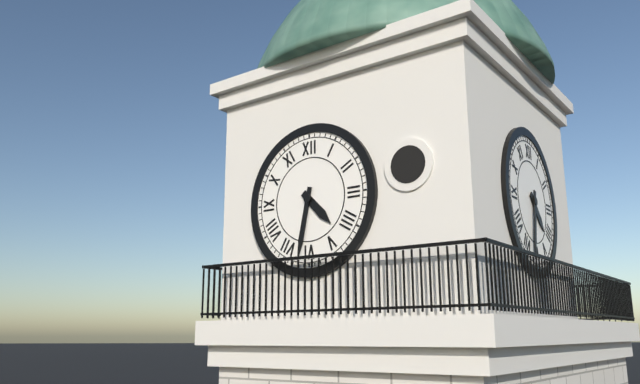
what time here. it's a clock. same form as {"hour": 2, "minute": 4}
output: {"hour": 4, "minute": 32}
